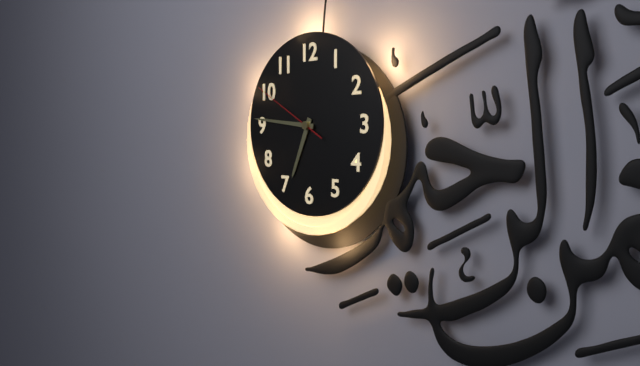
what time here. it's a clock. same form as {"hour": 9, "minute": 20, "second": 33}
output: {"hour": 6, "minute": 46, "second": 50}
